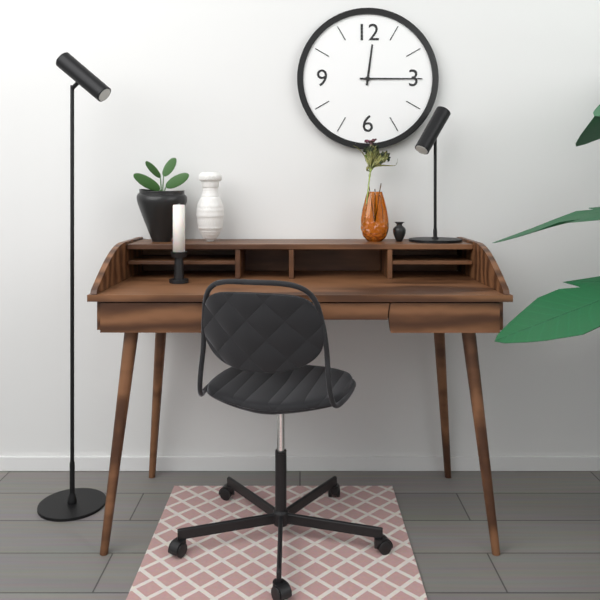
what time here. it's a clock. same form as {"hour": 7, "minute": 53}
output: {"hour": 12, "minute": 15}
